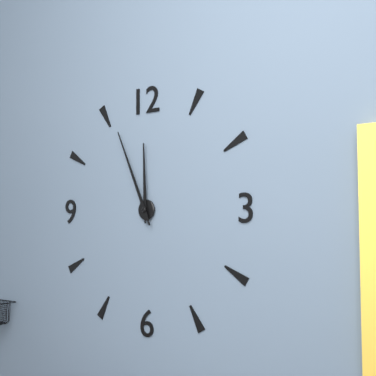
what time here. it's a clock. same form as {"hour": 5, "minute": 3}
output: {"hour": 11, "minute": 56}
